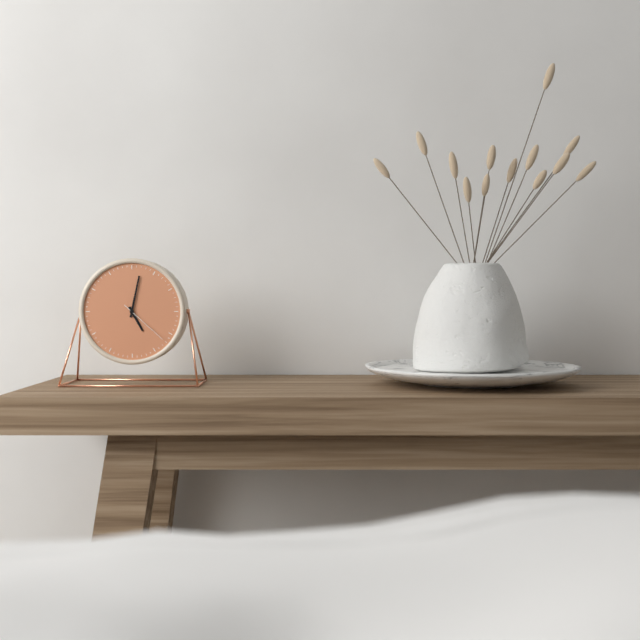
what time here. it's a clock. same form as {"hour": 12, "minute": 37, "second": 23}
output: {"hour": 5, "minute": 2, "second": 22}
